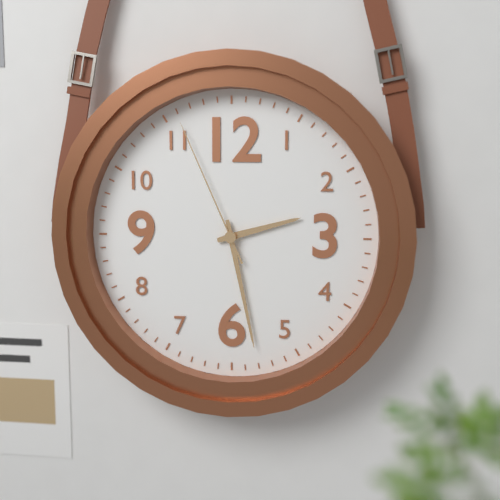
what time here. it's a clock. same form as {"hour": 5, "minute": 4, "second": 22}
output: {"hour": 2, "minute": 28, "second": 56}
